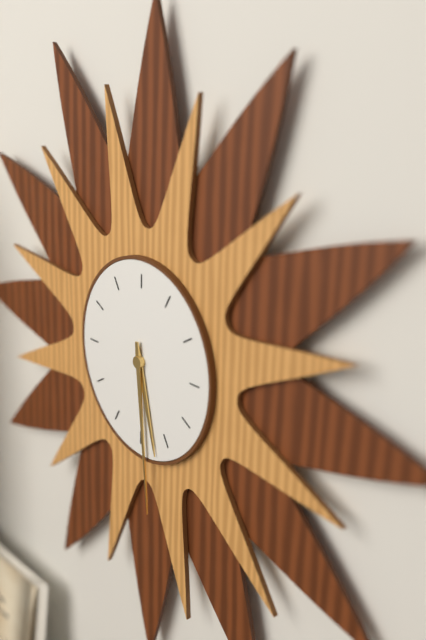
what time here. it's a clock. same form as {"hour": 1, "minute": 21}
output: {"hour": 5, "minute": 29}
